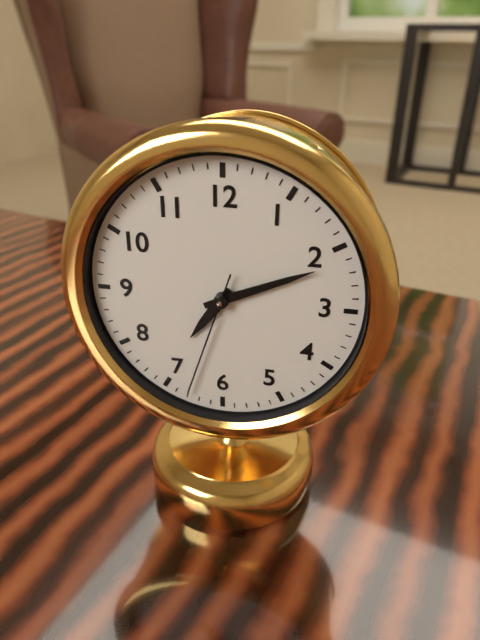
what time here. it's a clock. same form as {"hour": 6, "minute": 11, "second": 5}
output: {"hour": 7, "minute": 11, "second": 33}
